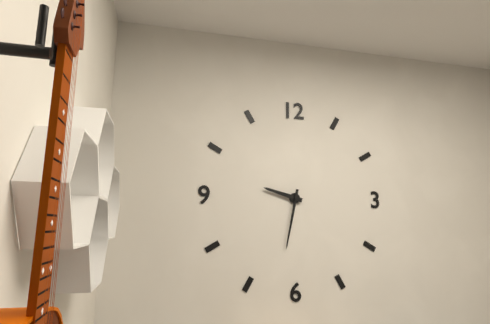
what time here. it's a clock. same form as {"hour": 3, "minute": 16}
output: {"hour": 9, "minute": 32}
